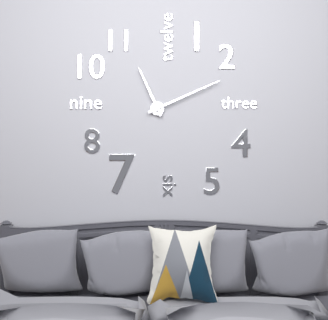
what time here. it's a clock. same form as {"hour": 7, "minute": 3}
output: {"hour": 11, "minute": 11}
